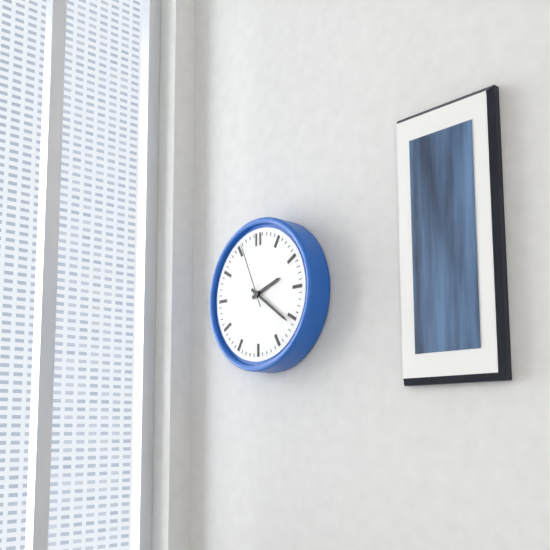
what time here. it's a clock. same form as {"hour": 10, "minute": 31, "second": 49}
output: {"hour": 2, "minute": 21, "second": 56}
